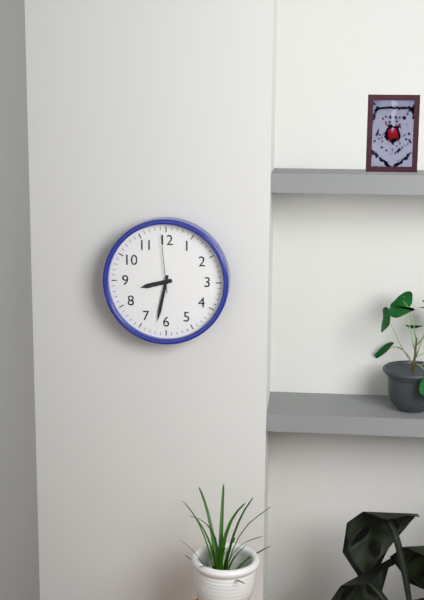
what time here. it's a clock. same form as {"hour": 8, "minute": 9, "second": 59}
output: {"hour": 8, "minute": 32, "second": 59}
